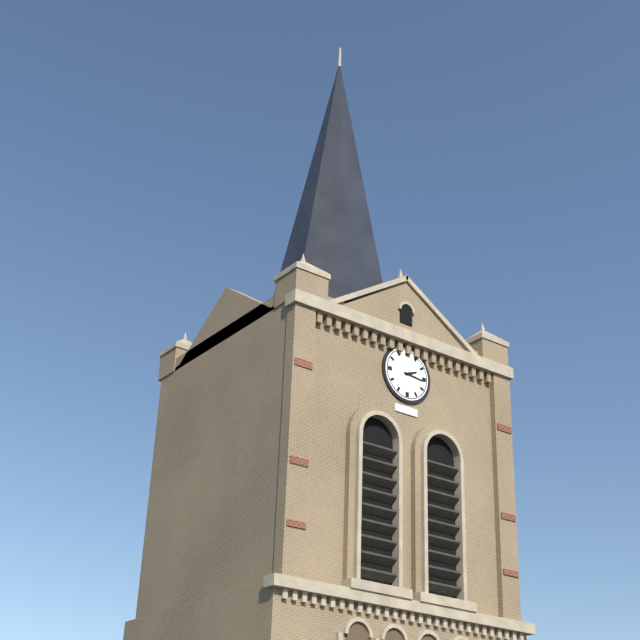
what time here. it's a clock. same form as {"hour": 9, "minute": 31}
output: {"hour": 2, "minute": 16}
